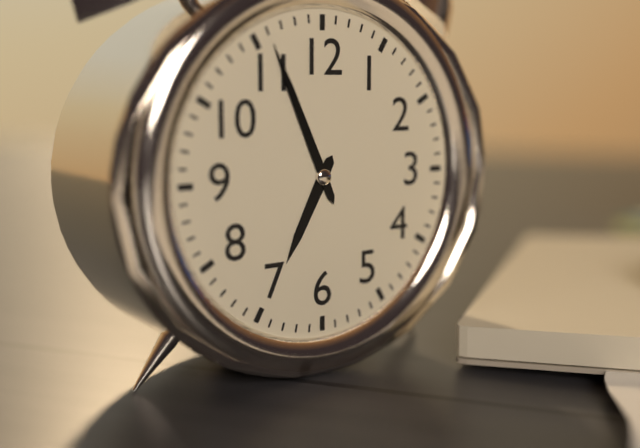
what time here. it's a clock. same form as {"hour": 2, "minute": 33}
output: {"hour": 6, "minute": 56}
